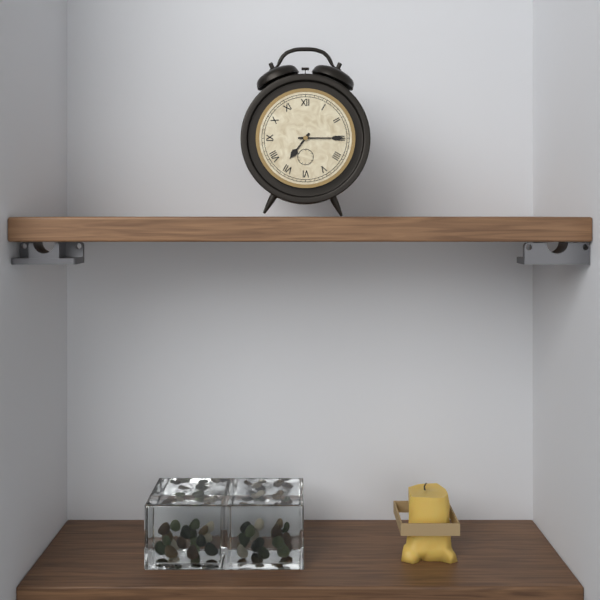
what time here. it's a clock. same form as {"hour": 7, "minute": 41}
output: {"hour": 7, "minute": 15}
